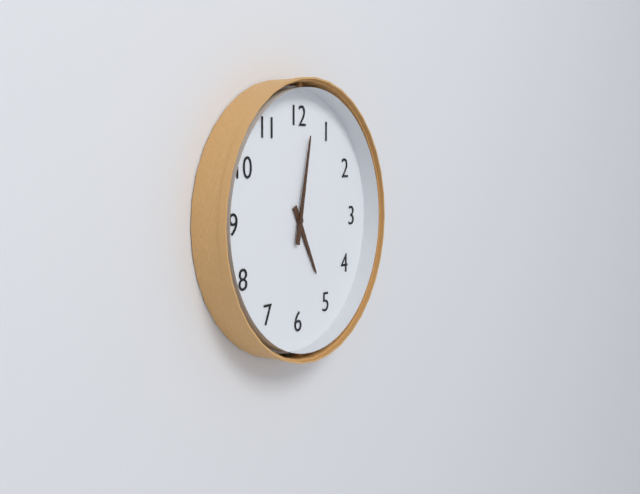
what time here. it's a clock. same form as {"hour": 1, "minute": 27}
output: {"hour": 5, "minute": 2}
